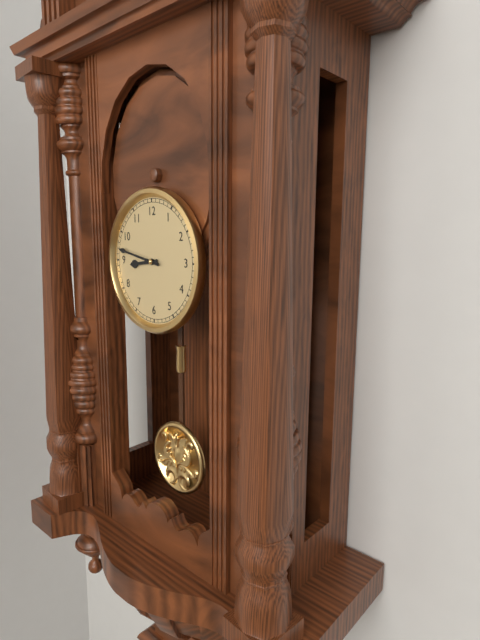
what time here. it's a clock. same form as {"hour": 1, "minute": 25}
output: {"hour": 8, "minute": 47}
